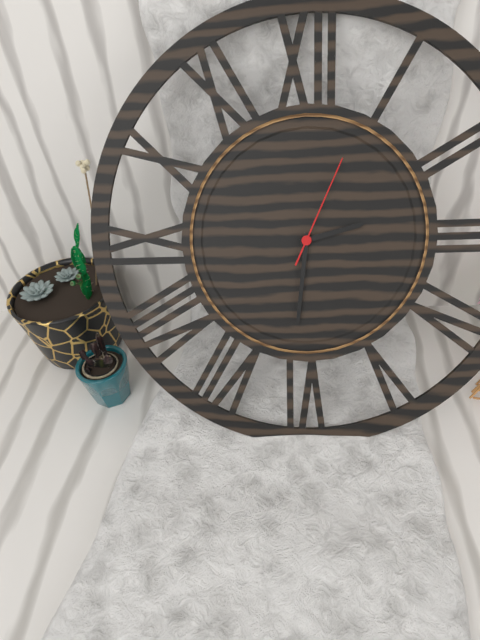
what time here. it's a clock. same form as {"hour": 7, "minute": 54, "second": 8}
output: {"hour": 2, "minute": 31, "second": 4}
